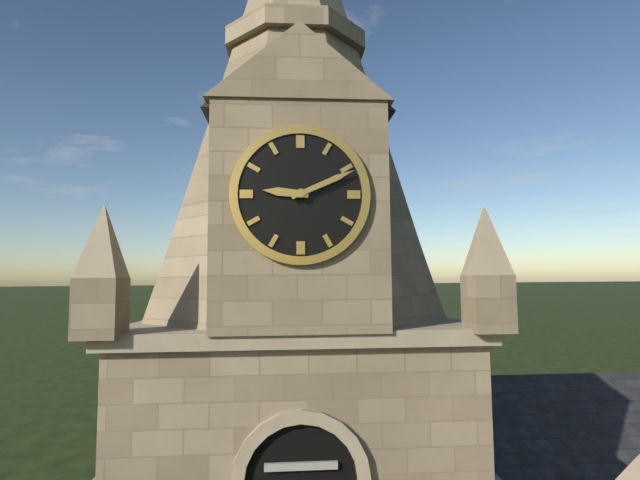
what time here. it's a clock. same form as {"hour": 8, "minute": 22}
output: {"hour": 9, "minute": 11}
